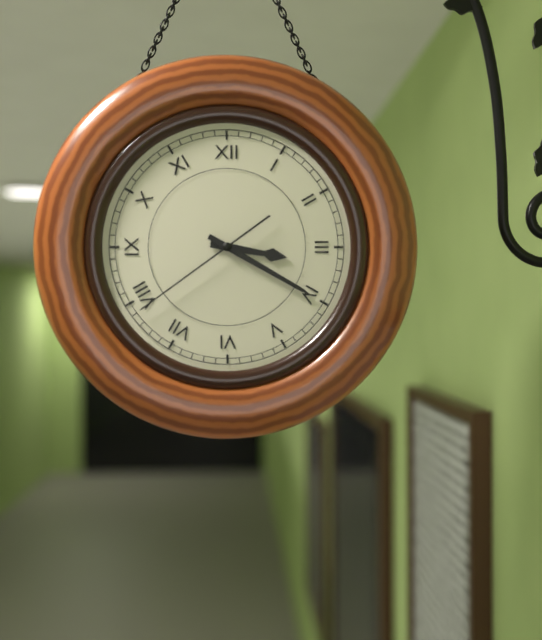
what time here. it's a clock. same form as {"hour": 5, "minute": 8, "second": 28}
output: {"hour": 3, "minute": 20, "second": 39}
